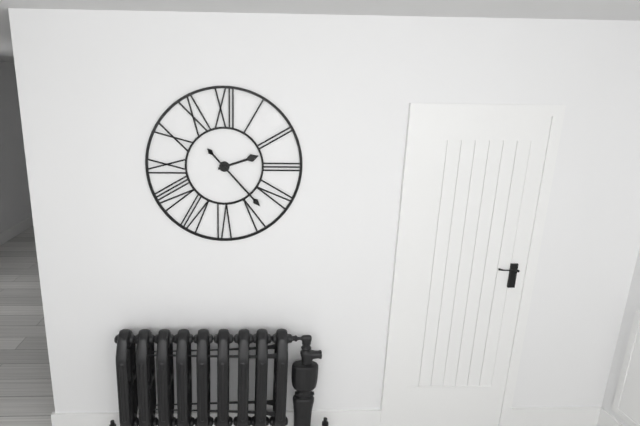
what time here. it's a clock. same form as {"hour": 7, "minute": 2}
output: {"hour": 2, "minute": 23}
